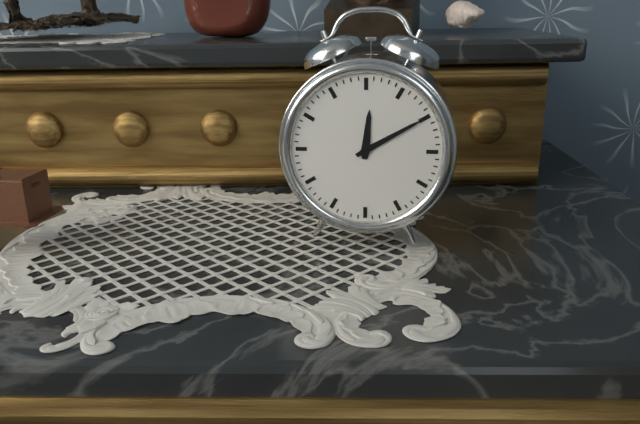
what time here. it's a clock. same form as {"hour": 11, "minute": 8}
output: {"hour": 12, "minute": 10}
